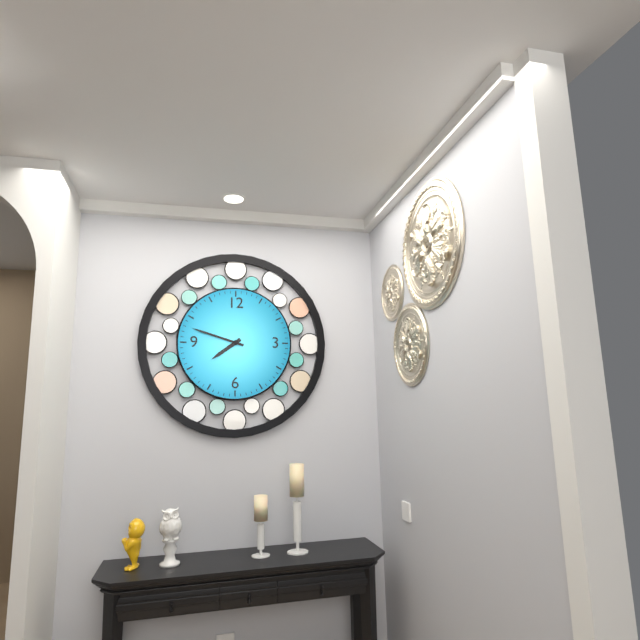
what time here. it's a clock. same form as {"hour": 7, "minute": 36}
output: {"hour": 7, "minute": 48}
